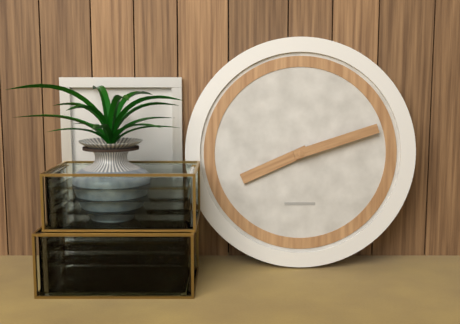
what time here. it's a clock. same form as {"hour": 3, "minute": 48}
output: {"hour": 8, "minute": 12}
